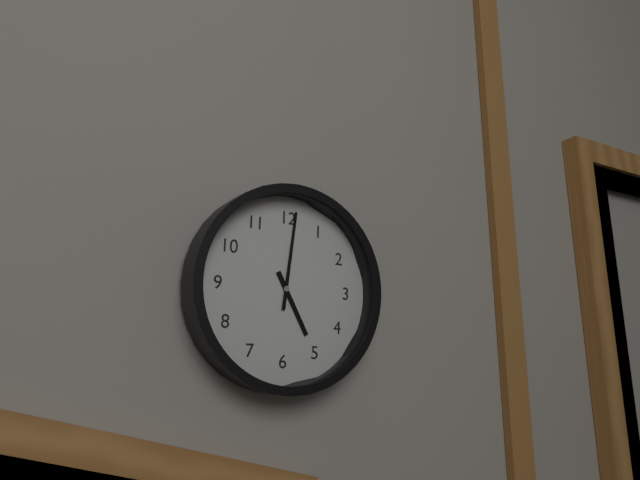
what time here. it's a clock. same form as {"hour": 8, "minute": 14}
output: {"hour": 5, "minute": 1}
